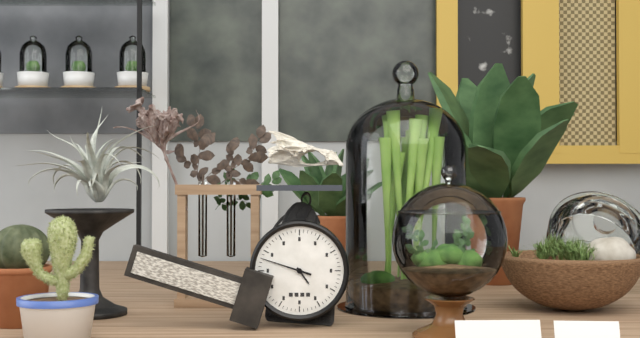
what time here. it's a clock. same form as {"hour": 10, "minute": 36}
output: {"hour": 4, "minute": 48}
